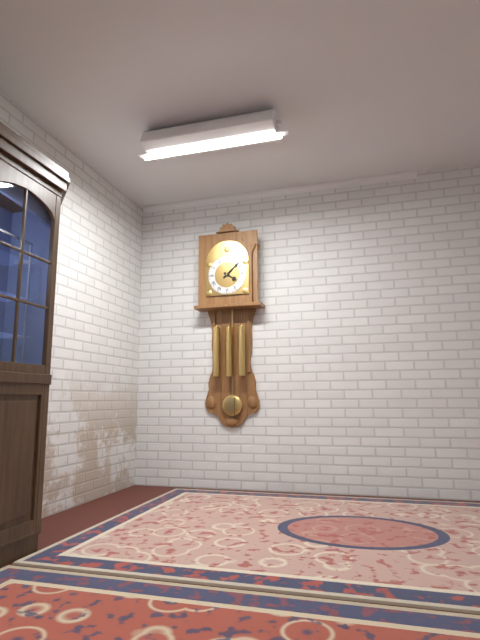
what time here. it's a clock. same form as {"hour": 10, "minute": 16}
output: {"hour": 4, "minute": 8}
